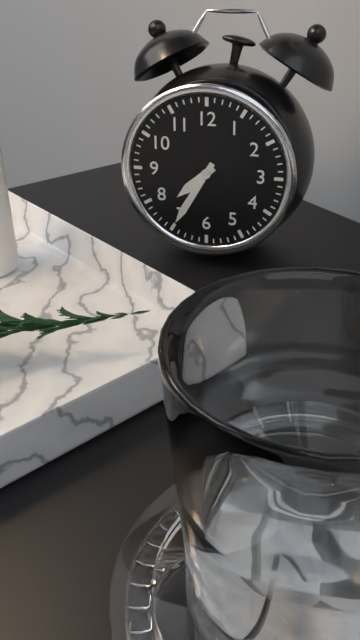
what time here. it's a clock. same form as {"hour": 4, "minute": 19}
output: {"hour": 7, "minute": 35}
